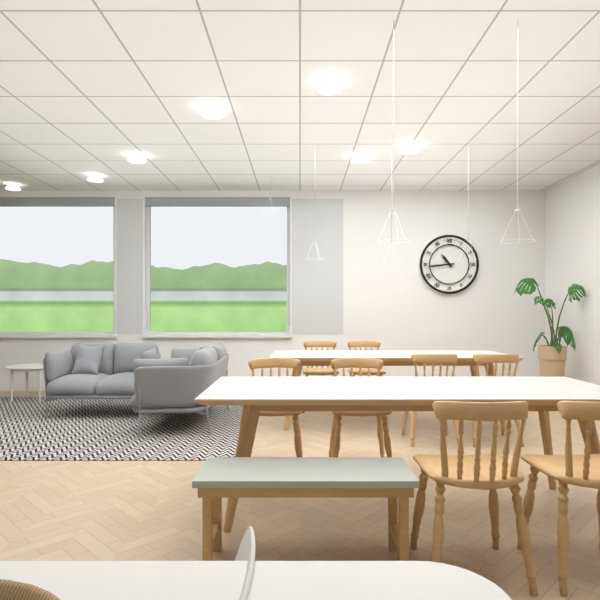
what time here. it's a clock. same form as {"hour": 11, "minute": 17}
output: {"hour": 10, "minute": 44}
